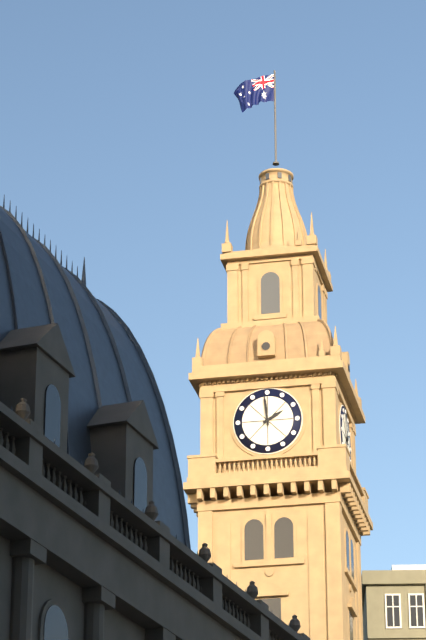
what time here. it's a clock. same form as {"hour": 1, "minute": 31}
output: {"hour": 1, "minute": 59}
